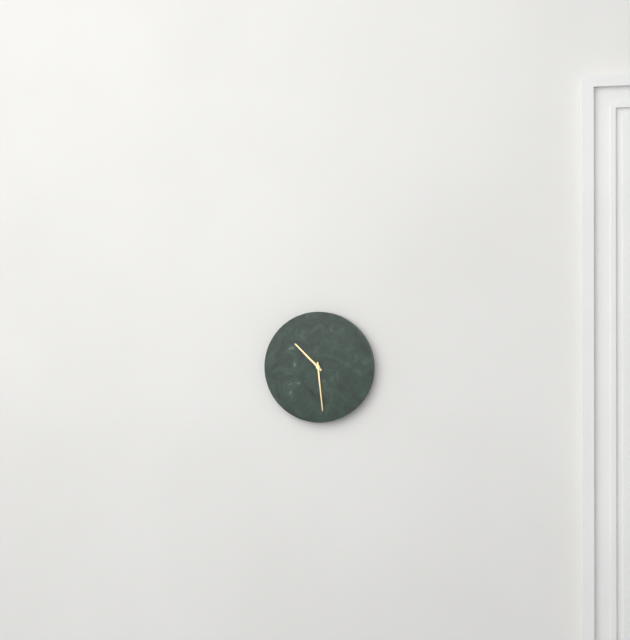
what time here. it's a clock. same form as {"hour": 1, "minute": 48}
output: {"hour": 10, "minute": 29}
